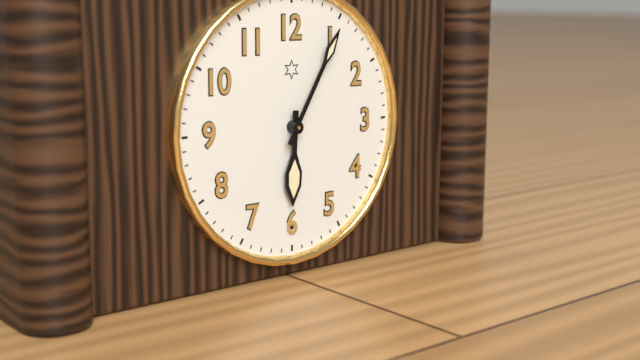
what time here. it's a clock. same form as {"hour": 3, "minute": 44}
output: {"hour": 6, "minute": 5}
